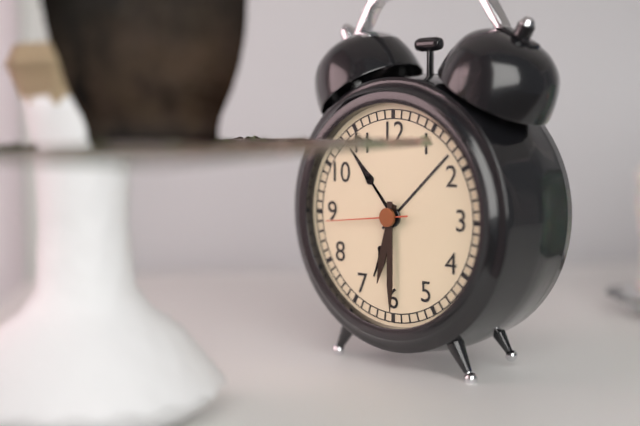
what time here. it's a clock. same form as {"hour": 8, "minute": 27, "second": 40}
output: {"hour": 6, "minute": 30, "second": 44}
